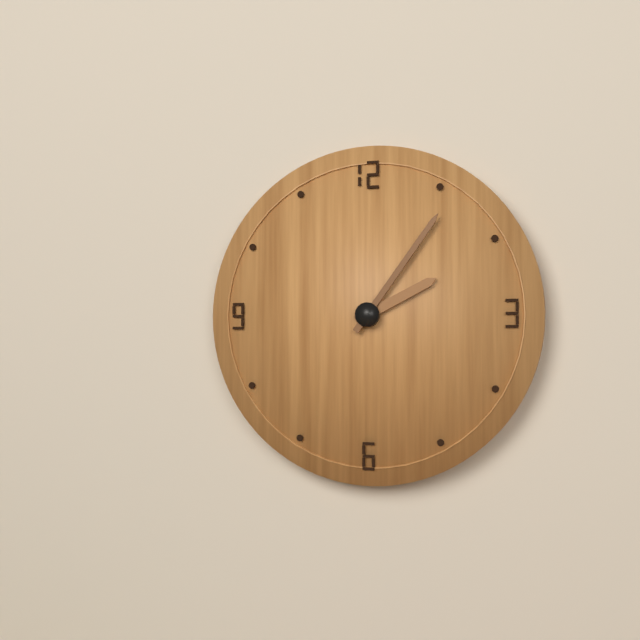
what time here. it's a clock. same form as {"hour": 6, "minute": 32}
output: {"hour": 2, "minute": 6}
